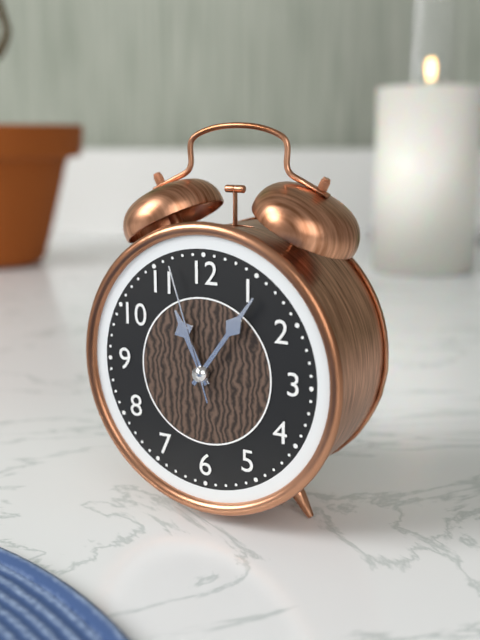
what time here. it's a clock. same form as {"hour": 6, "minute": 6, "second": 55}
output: {"hour": 11, "minute": 6, "second": 57}
